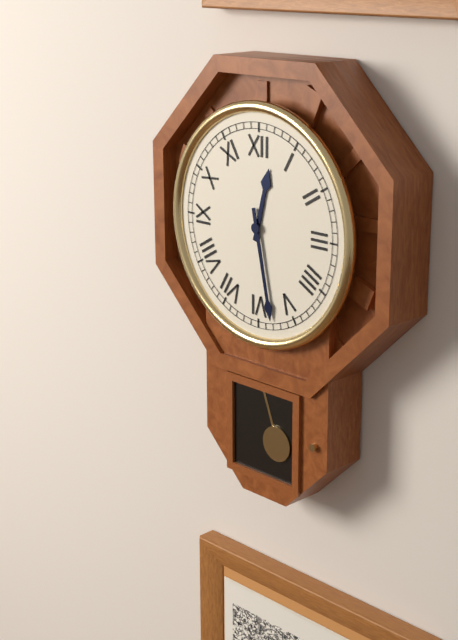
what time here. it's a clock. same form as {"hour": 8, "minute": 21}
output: {"hour": 12, "minute": 28}
